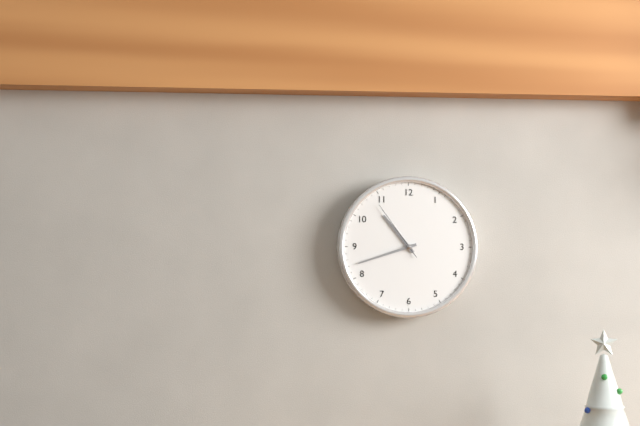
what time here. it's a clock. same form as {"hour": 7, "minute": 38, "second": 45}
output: {"hour": 10, "minute": 42, "second": 54}
